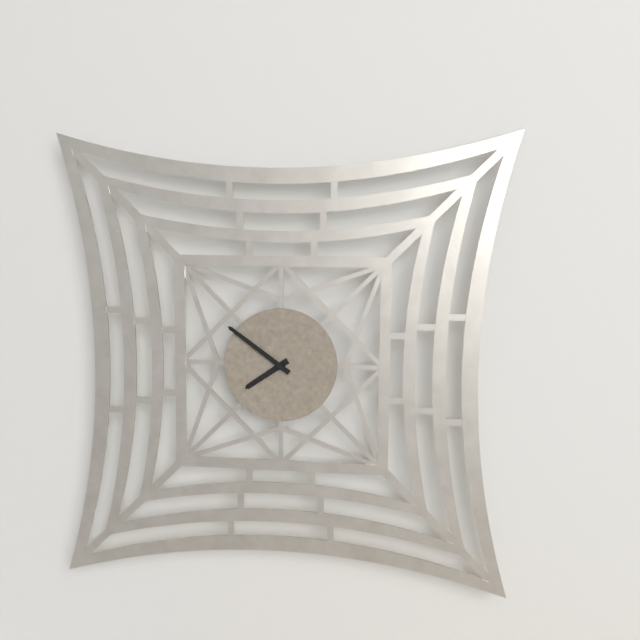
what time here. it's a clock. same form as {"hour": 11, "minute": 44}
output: {"hour": 7, "minute": 51}
